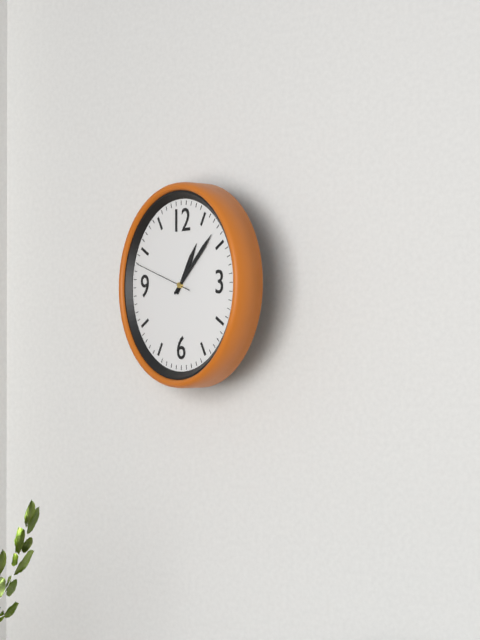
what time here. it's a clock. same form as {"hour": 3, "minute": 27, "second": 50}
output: {"hour": 1, "minute": 8, "second": 48}
